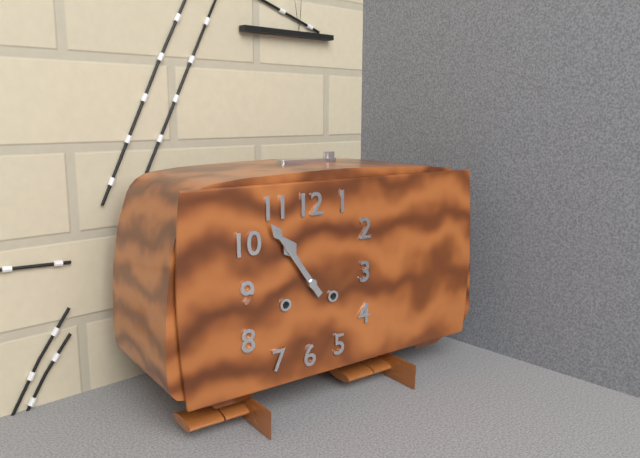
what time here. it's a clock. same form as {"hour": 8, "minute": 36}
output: {"hour": 10, "minute": 54}
